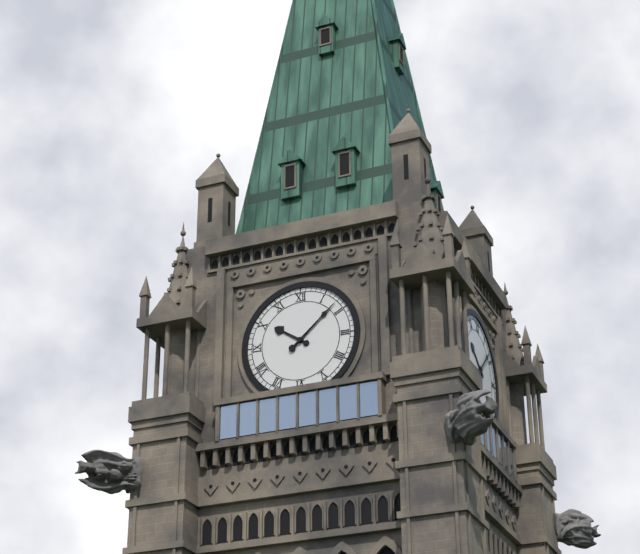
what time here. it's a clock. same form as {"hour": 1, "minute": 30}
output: {"hour": 10, "minute": 8}
